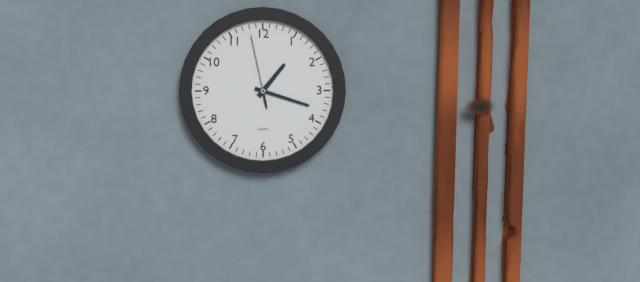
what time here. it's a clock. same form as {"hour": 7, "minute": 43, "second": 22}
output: {"hour": 1, "minute": 18, "second": 58}
